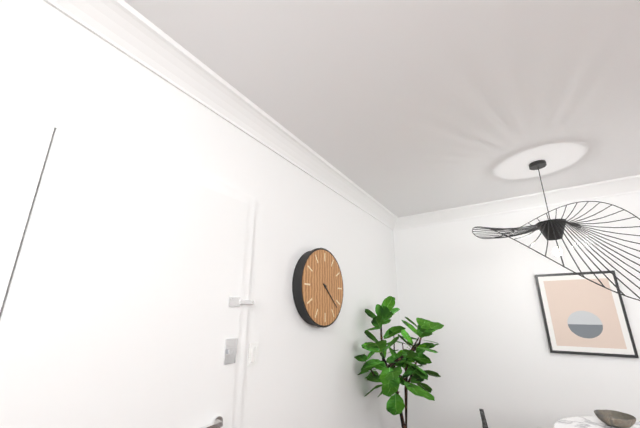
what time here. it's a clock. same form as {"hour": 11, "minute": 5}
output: {"hour": 4, "minute": 22}
